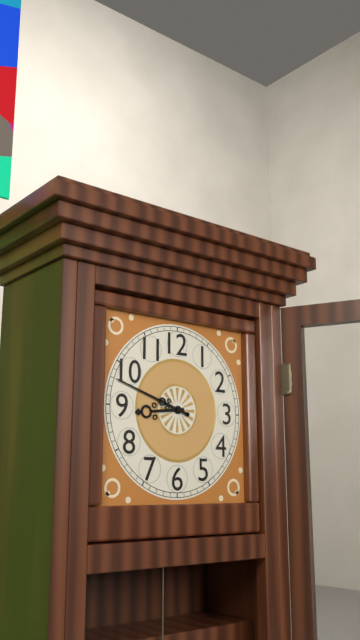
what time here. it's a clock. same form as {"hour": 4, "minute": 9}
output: {"hour": 8, "minute": 48}
